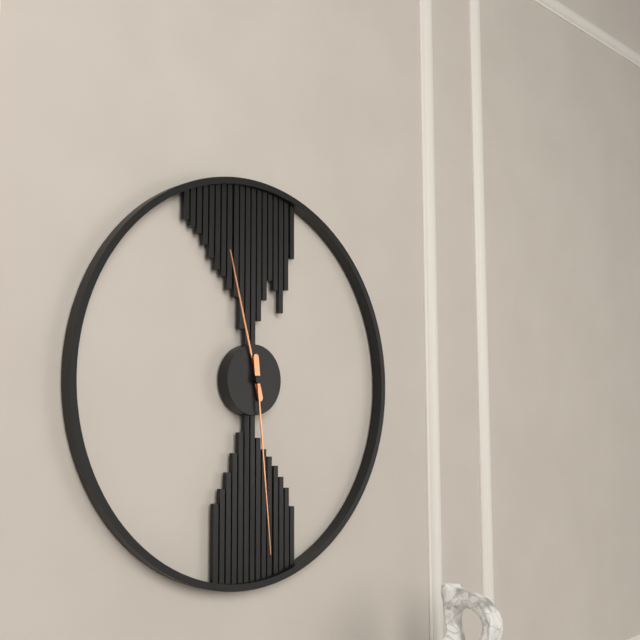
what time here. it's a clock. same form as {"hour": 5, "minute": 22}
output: {"hour": 11, "minute": 29}
